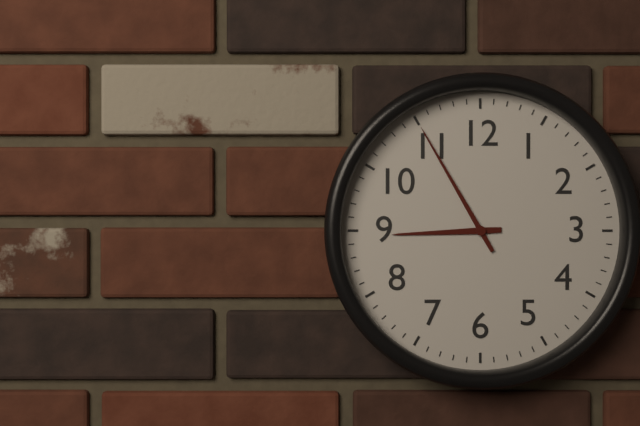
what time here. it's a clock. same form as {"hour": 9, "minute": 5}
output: {"hour": 8, "minute": 55}
